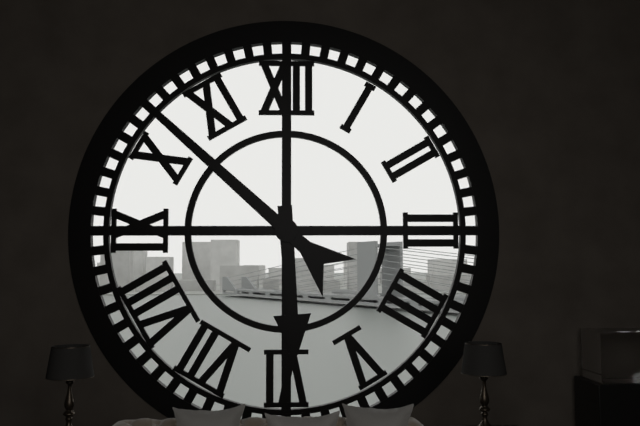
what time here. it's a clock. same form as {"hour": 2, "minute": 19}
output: {"hour": 5, "minute": 52}
